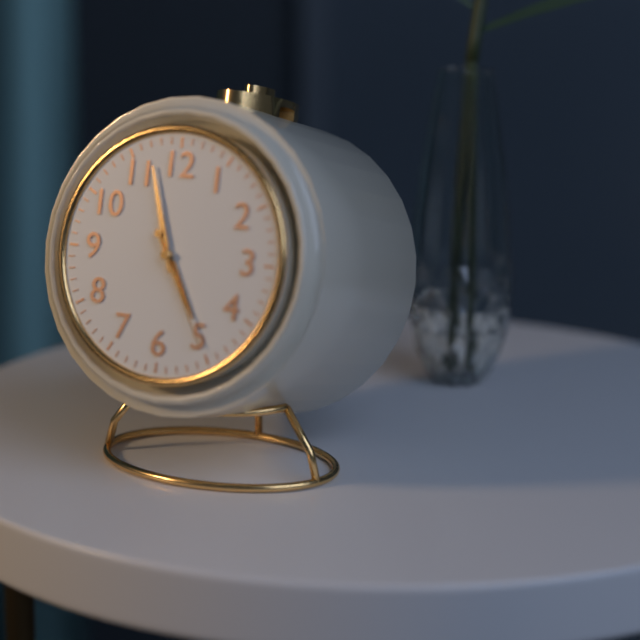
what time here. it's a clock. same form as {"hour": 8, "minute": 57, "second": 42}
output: {"hour": 4, "minute": 57, "second": 25}
